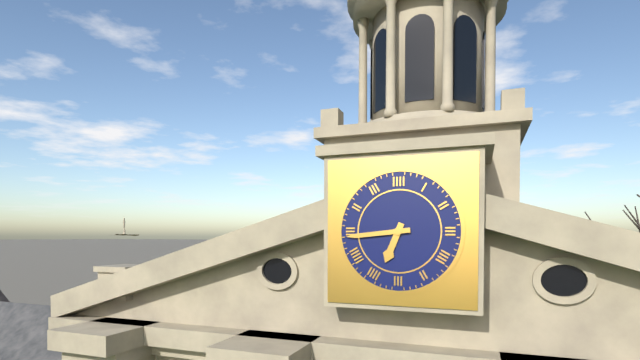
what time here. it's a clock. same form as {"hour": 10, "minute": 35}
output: {"hour": 6, "minute": 44}
